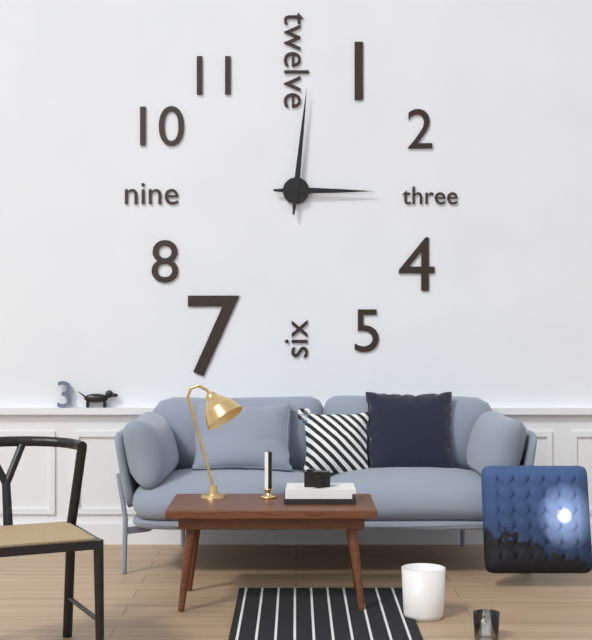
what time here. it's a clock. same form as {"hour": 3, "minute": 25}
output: {"hour": 3, "minute": 1}
